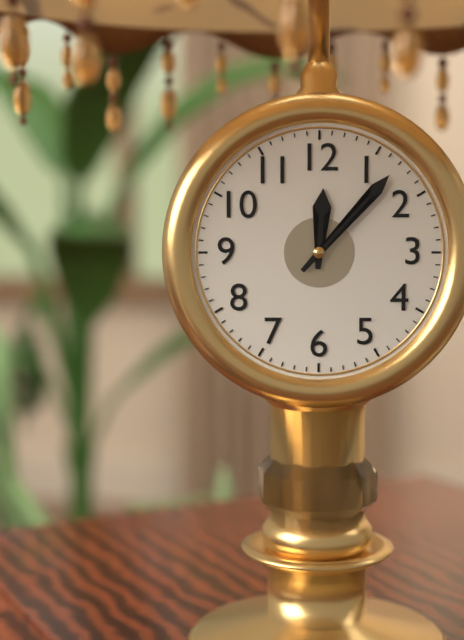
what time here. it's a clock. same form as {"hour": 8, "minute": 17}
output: {"hour": 12, "minute": 7}
